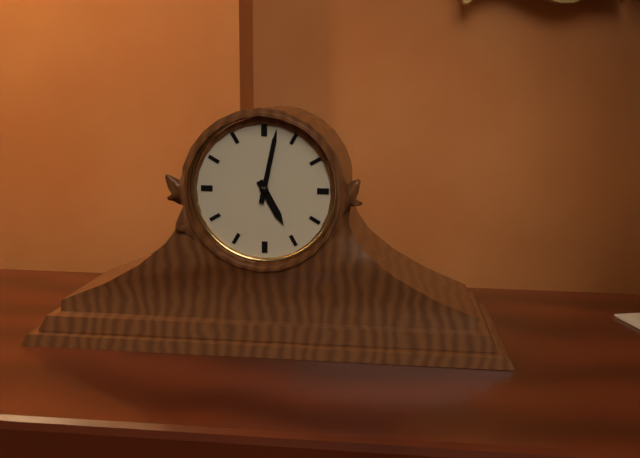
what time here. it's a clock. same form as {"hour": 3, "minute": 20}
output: {"hour": 5, "minute": 2}
